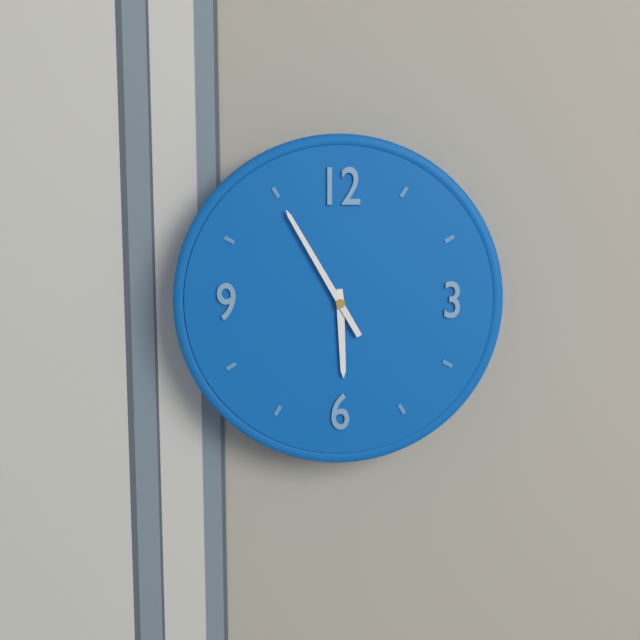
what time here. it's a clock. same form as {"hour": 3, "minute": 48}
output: {"hour": 5, "minute": 55}
